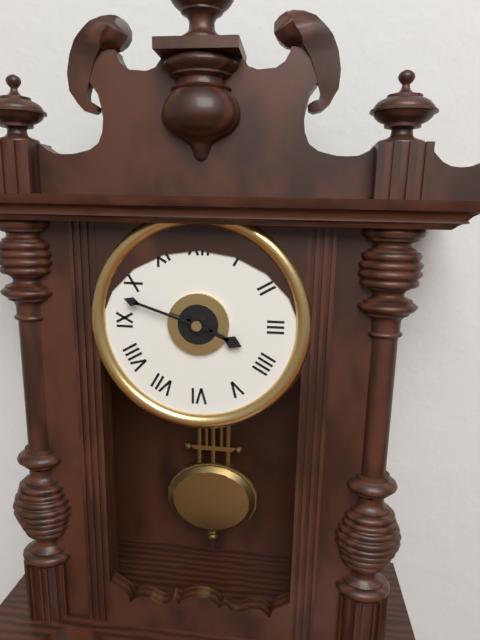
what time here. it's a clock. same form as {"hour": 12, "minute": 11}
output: {"hour": 3, "minute": 48}
